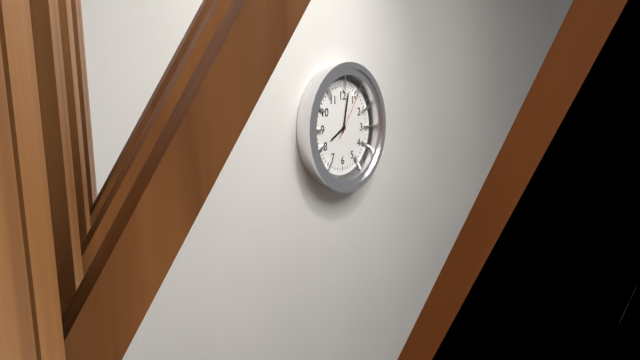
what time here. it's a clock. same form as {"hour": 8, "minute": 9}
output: {"hour": 8, "minute": 2}
